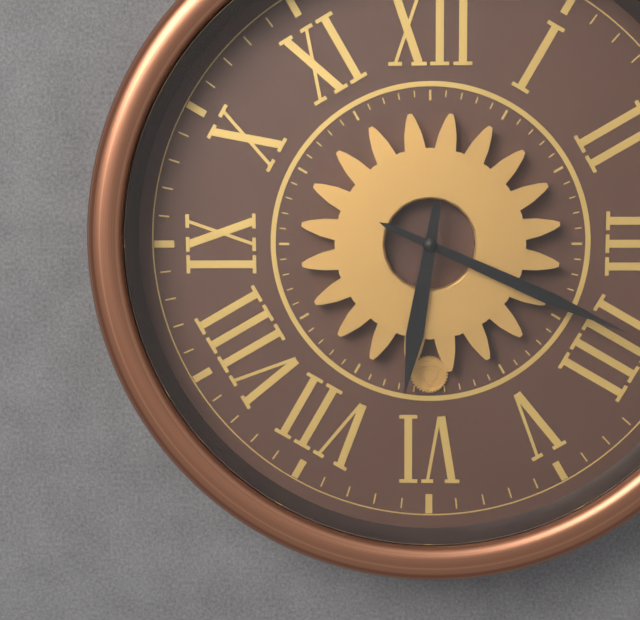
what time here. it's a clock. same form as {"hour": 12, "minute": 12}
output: {"hour": 6, "minute": 19}
